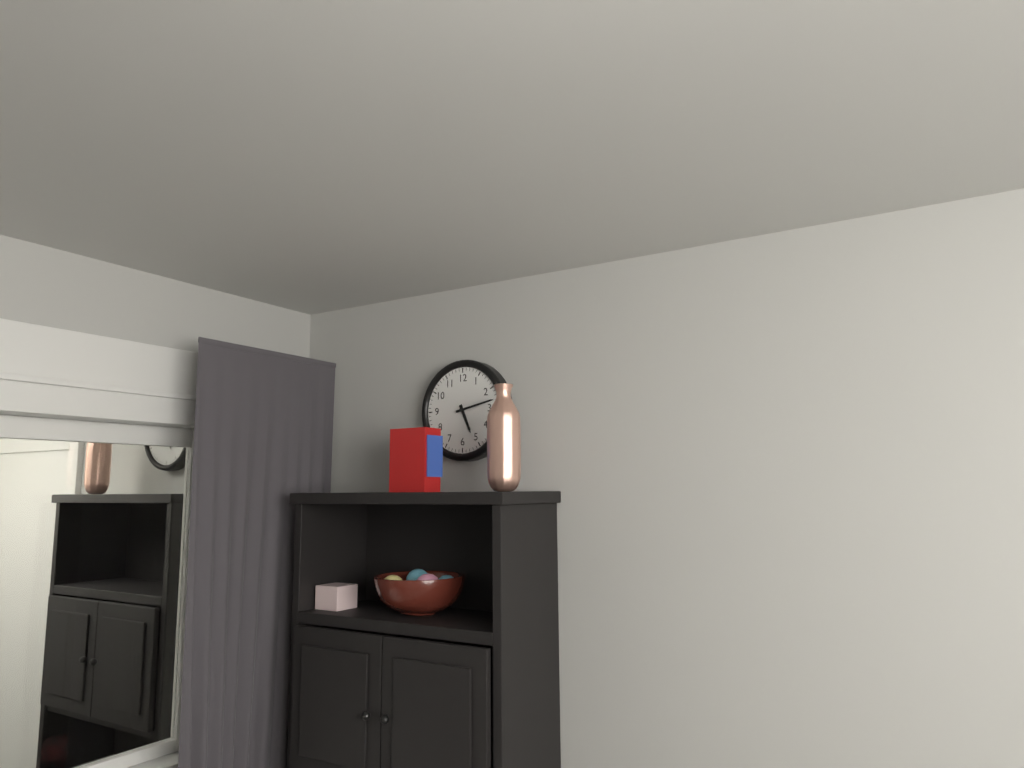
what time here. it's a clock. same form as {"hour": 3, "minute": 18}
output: {"hour": 5, "minute": 13}
